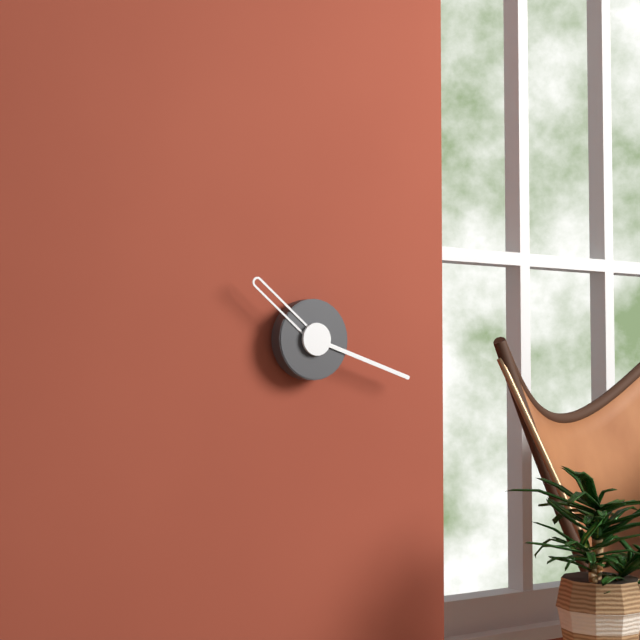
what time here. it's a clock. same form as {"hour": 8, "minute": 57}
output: {"hour": 10, "minute": 18}
